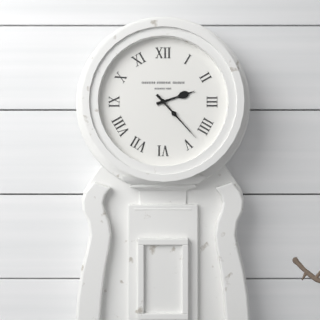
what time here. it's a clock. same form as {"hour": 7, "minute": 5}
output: {"hour": 2, "minute": 23}
